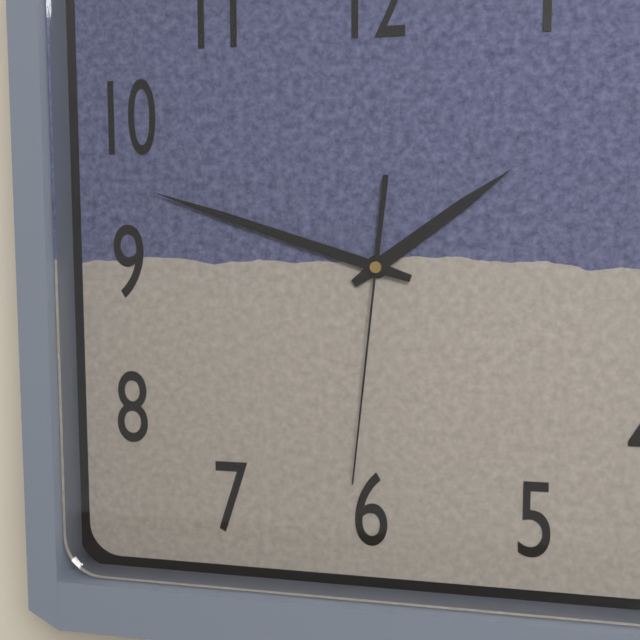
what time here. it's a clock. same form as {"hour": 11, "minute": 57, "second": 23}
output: {"hour": 1, "minute": 48, "second": 31}
